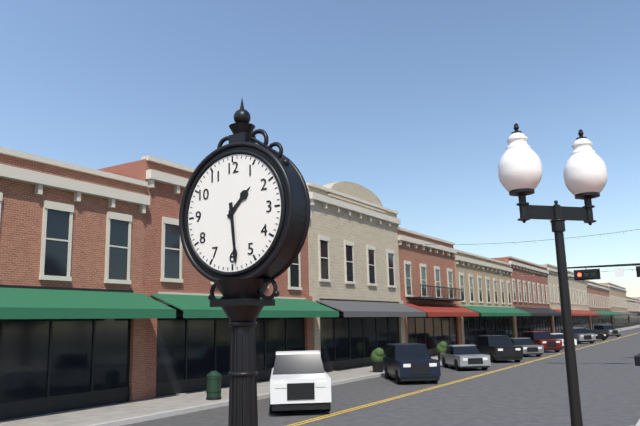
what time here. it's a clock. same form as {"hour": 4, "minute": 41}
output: {"hour": 1, "minute": 29}
